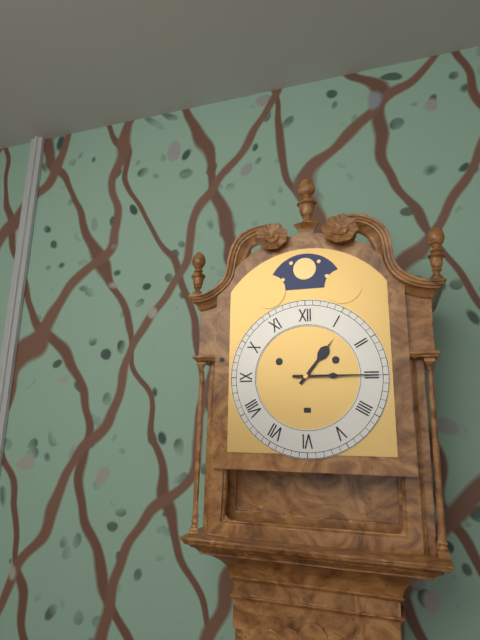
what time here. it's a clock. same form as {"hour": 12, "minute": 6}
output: {"hour": 1, "minute": 15}
